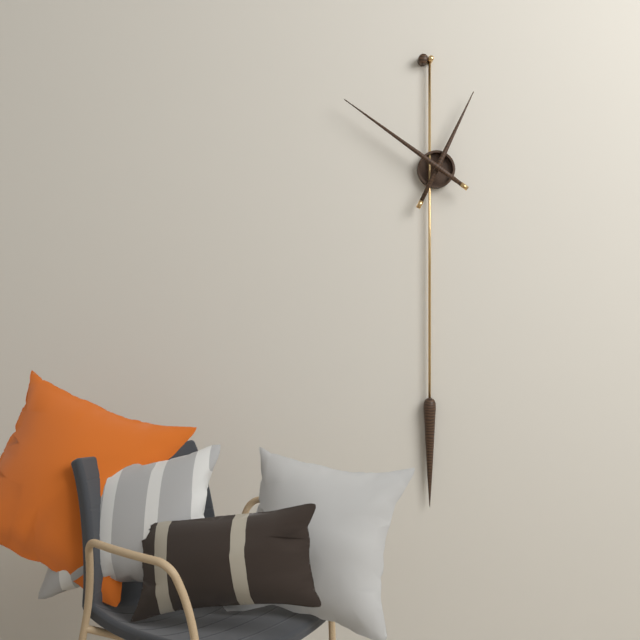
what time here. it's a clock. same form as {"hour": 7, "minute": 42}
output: {"hour": 12, "minute": 51}
